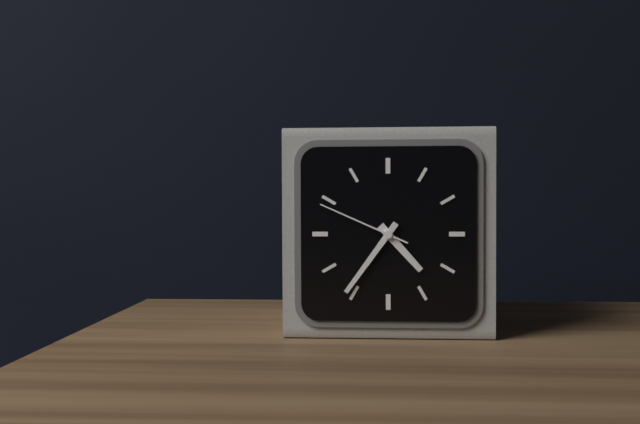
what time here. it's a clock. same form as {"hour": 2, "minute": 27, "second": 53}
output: {"hour": 4, "minute": 36, "second": 49}
